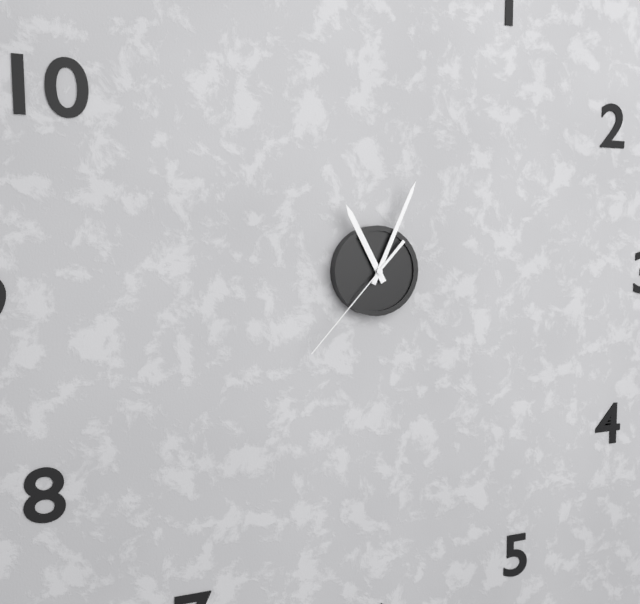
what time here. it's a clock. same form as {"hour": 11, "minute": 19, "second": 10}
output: {"hour": 11, "minute": 4, "second": 37}
